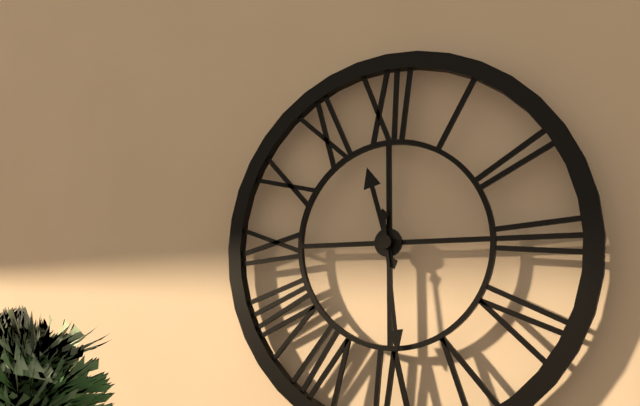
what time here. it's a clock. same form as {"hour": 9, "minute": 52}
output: {"hour": 11, "minute": 29}
